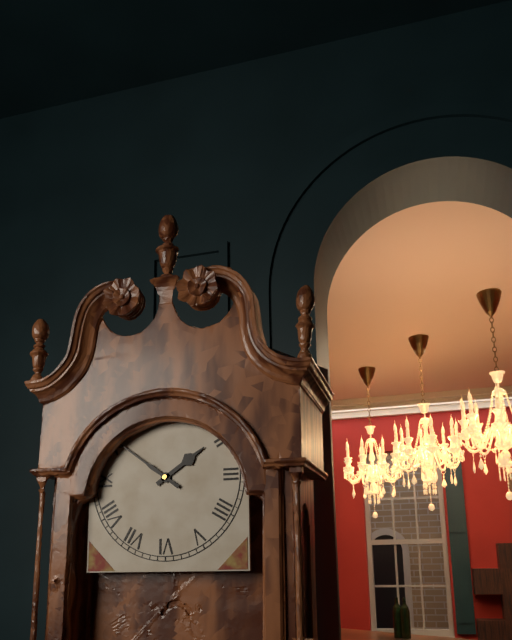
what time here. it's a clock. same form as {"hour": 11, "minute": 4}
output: {"hour": 1, "minute": 51}
